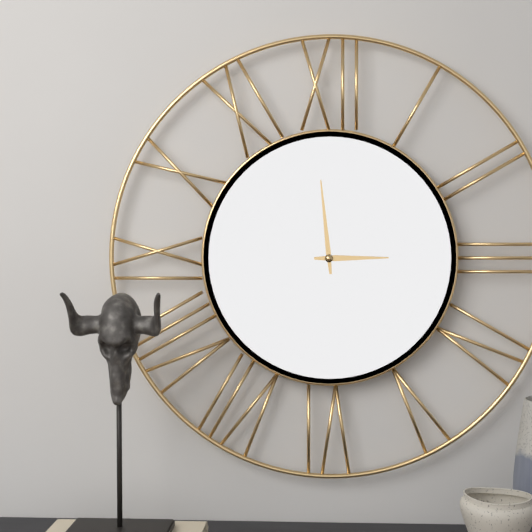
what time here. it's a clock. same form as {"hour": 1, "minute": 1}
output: {"hour": 2, "minute": 59}
